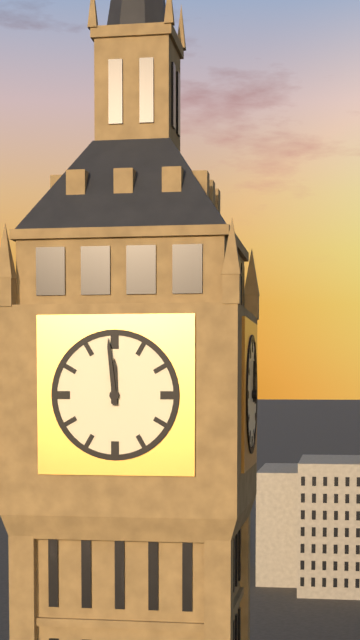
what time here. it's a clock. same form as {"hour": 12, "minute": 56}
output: {"hour": 11, "minute": 59}
